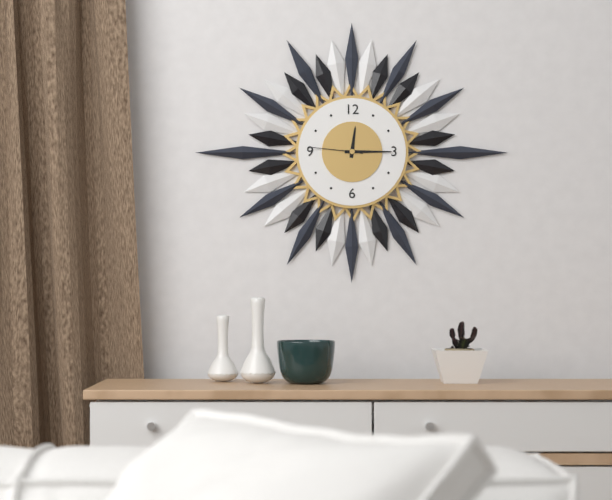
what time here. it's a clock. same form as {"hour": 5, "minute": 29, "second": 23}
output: {"hour": 12, "minute": 15, "second": 46}
